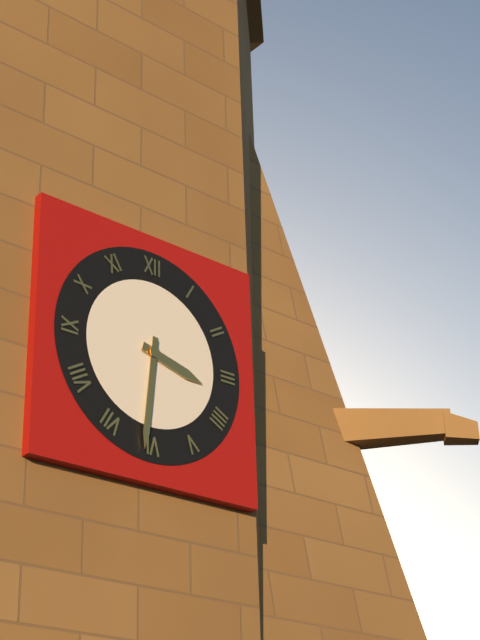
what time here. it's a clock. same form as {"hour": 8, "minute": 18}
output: {"hour": 3, "minute": 31}
